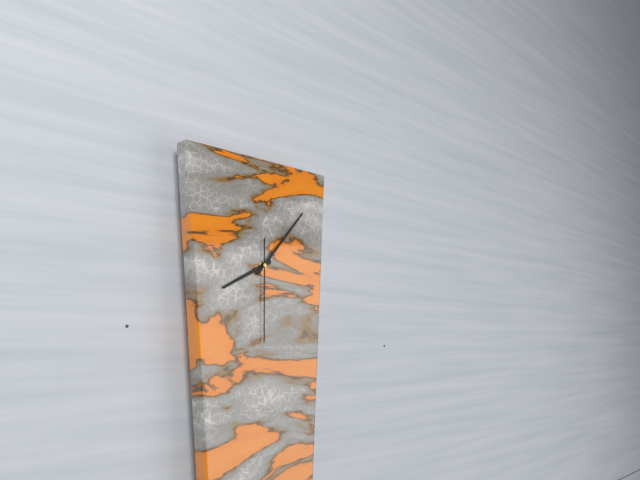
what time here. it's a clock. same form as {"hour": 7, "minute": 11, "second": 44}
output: {"hour": 8, "minute": 7, "second": 30}
